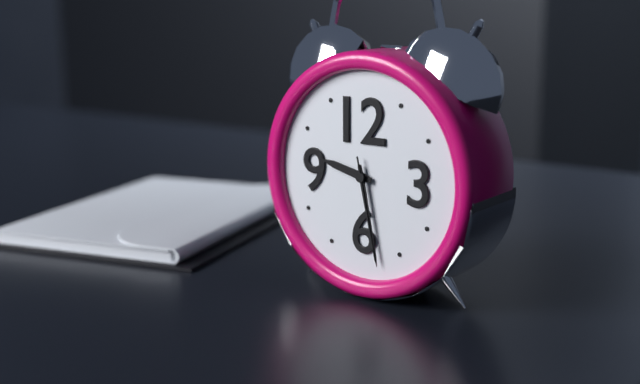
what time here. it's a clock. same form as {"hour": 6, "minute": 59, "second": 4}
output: {"hour": 9, "minute": 28, "second": 28}
